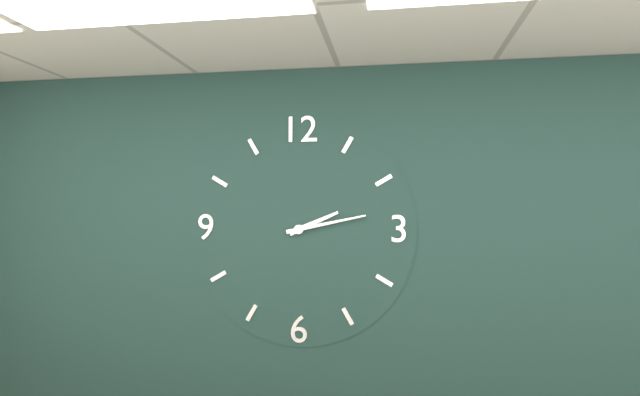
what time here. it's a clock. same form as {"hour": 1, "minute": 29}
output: {"hour": 2, "minute": 13}
